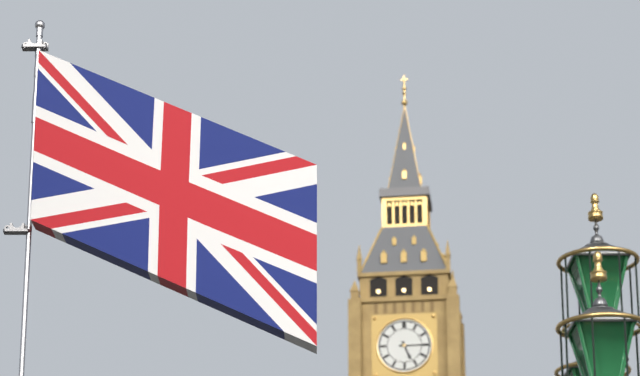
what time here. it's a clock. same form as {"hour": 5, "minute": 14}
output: {"hour": 5, "minute": 15}
